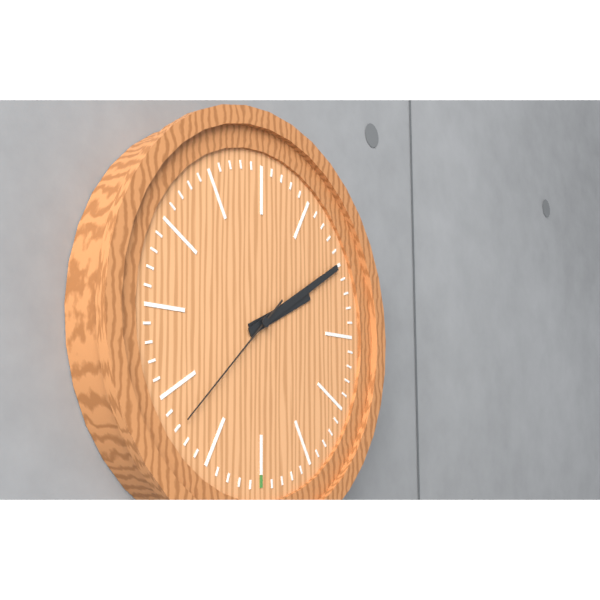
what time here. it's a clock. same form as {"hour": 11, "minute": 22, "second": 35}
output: {"hour": 2, "minute": 10, "second": 38}
